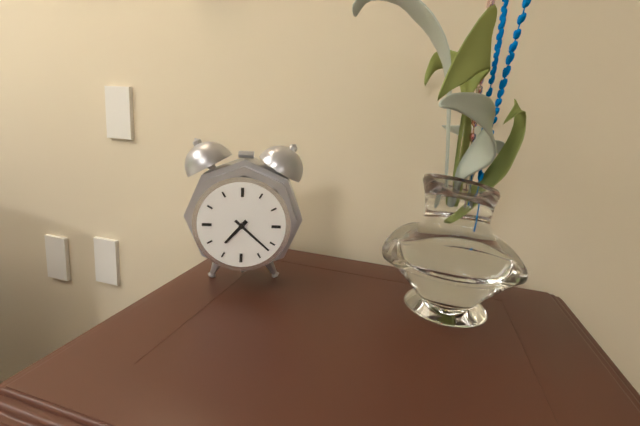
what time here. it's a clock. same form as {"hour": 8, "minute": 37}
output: {"hour": 7, "minute": 22}
